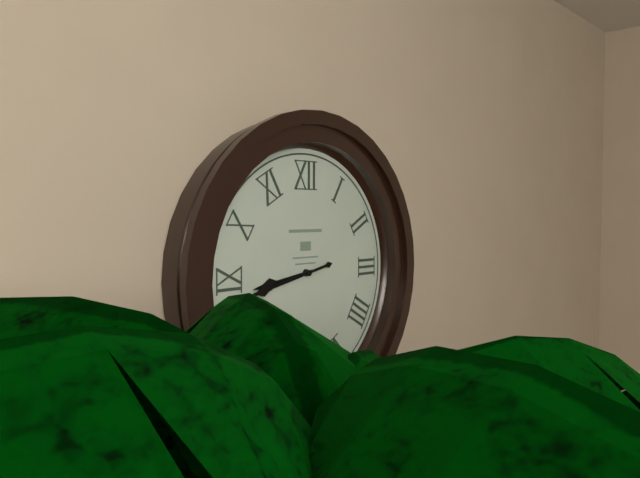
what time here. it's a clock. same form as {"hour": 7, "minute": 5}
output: {"hour": 8, "minute": 43}
